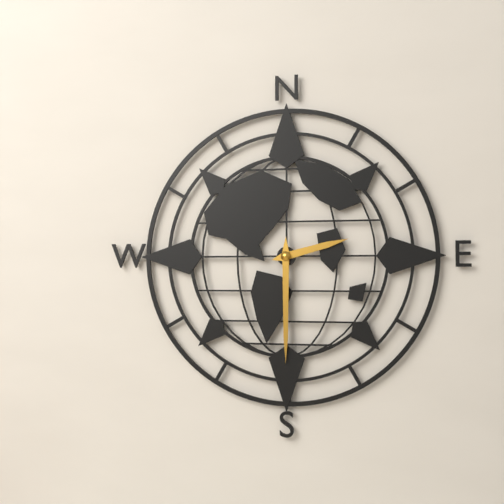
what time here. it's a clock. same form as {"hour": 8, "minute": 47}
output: {"hour": 2, "minute": 30}
